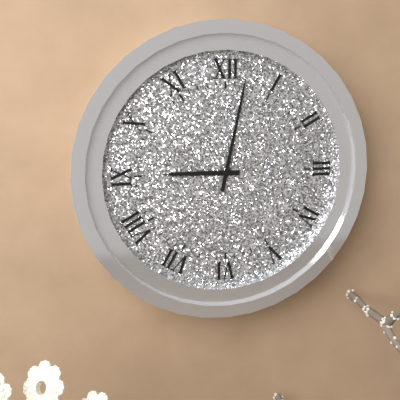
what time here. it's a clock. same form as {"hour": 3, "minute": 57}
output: {"hour": 9, "minute": 2}
